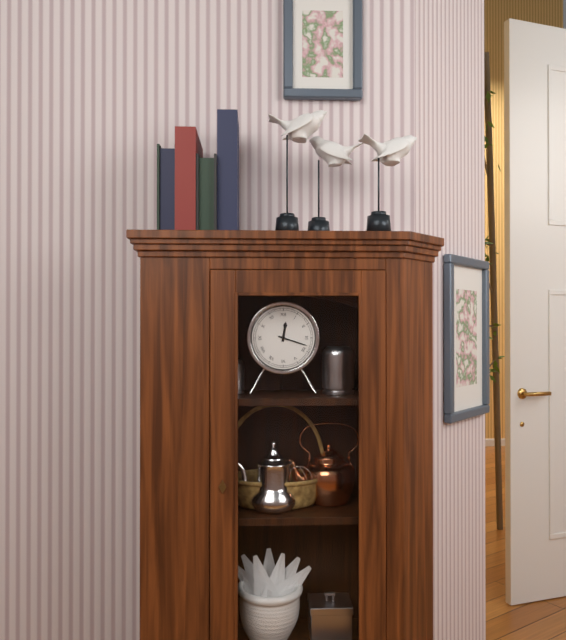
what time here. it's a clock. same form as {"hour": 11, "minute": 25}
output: {"hour": 12, "minute": 18}
